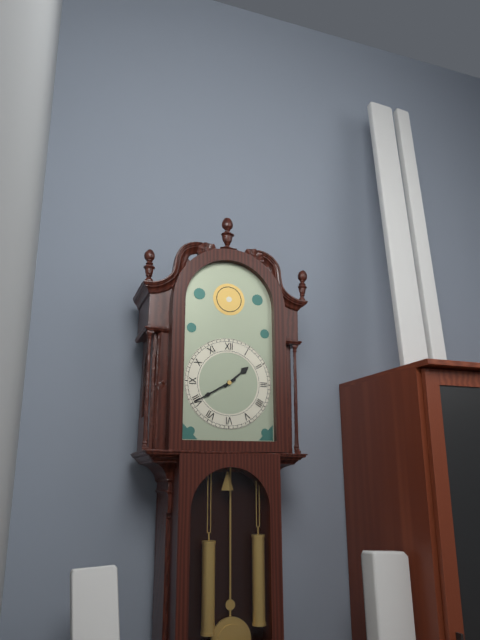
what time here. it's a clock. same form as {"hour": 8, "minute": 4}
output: {"hour": 1, "minute": 40}
